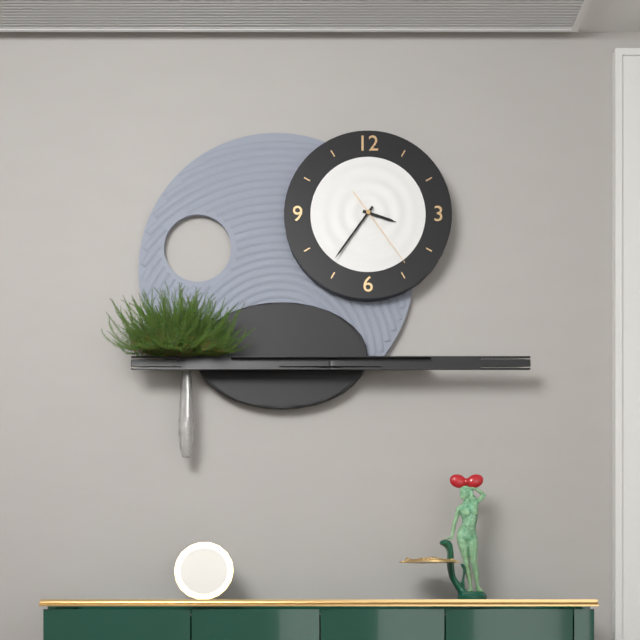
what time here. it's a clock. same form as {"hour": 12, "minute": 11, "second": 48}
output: {"hour": 3, "minute": 36, "second": 24}
